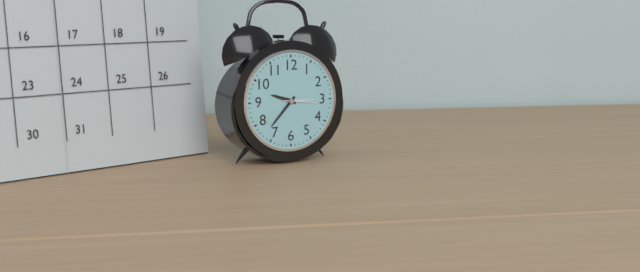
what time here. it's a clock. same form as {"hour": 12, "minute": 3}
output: {"hour": 9, "minute": 37}
